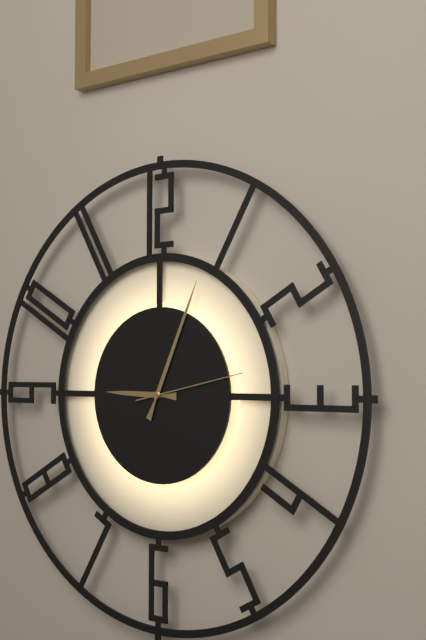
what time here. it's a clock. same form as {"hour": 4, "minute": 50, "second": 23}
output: {"hour": 9, "minute": 4, "second": 13}
